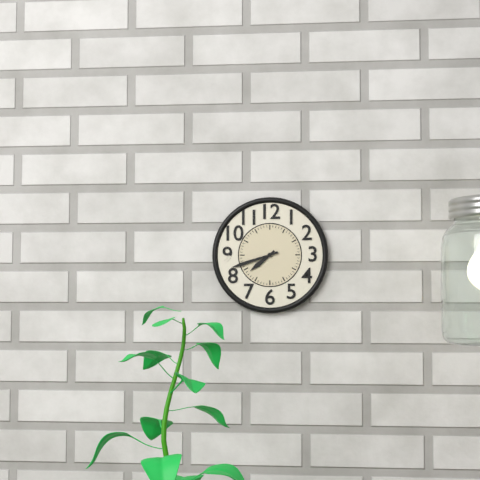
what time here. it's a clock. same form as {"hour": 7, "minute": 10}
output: {"hour": 7, "minute": 42}
